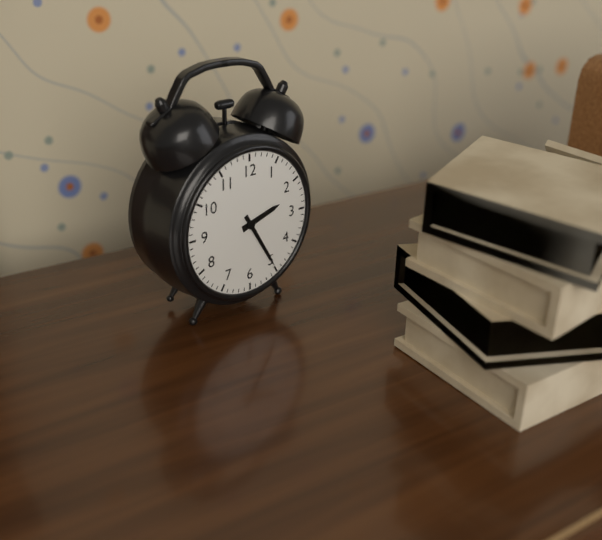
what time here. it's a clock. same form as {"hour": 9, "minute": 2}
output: {"hour": 2, "minute": 25}
